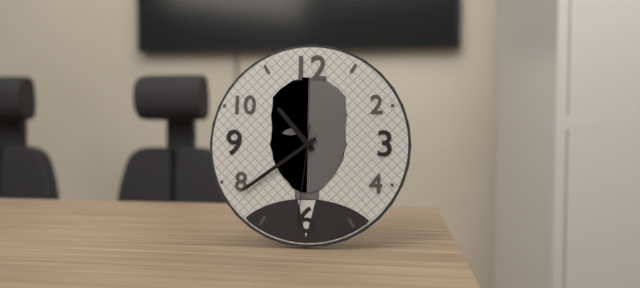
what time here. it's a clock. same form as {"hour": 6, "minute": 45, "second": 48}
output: {"hour": 10, "minute": 39, "second": 31}
